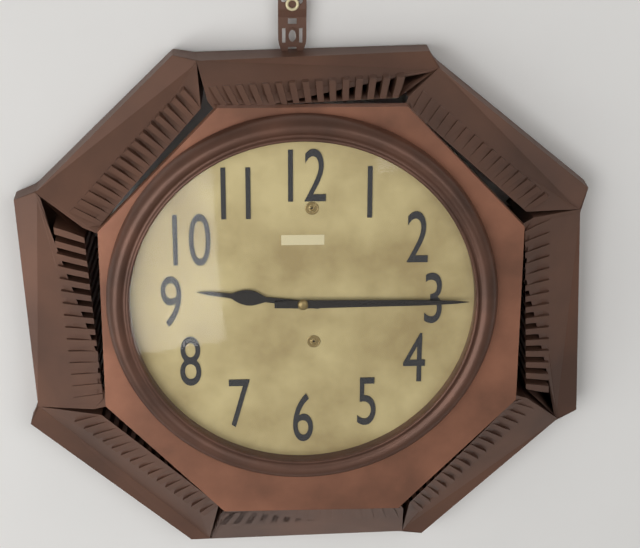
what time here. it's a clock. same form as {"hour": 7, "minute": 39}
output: {"hour": 9, "minute": 15}
